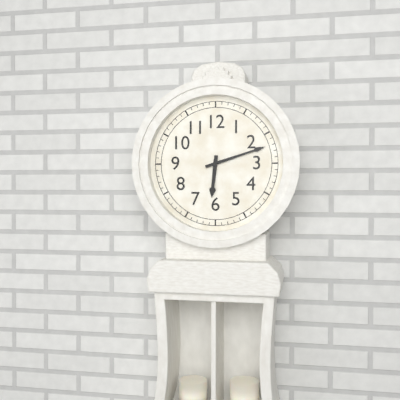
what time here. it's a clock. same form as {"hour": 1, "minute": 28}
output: {"hour": 6, "minute": 12}
